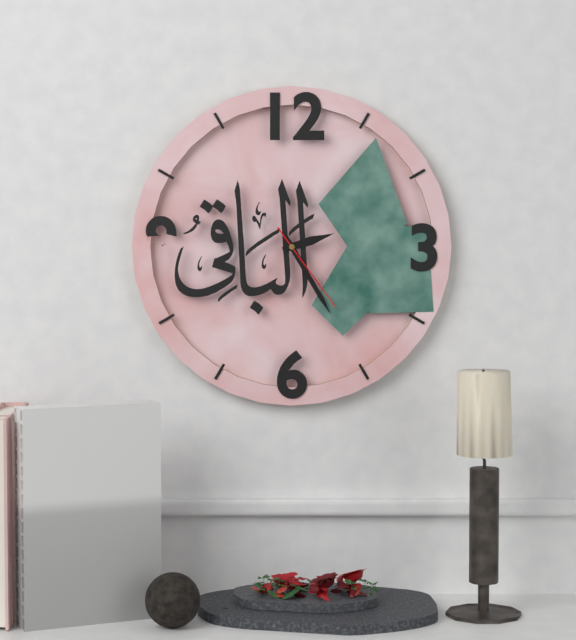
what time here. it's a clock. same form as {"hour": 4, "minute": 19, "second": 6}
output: {"hour": 2, "minute": 25, "second": 24}
